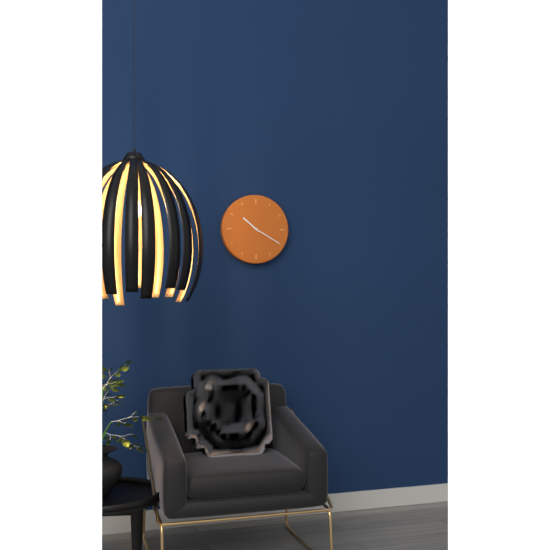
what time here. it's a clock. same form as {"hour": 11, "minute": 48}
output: {"hour": 10, "minute": 20}
